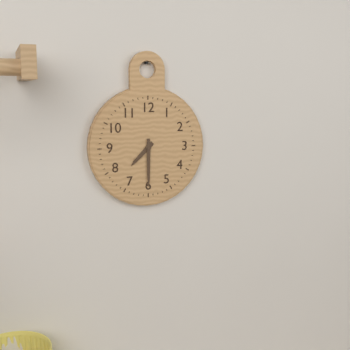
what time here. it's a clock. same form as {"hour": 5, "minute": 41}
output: {"hour": 7, "minute": 30}
